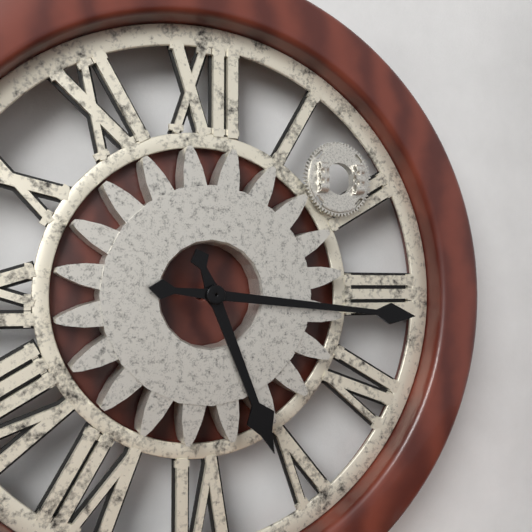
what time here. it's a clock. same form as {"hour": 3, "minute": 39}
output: {"hour": 5, "minute": 16}
